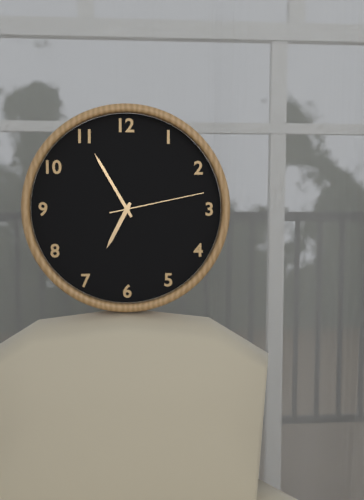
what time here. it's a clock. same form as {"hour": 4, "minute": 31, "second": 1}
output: {"hour": 6, "minute": 55, "second": 13}
